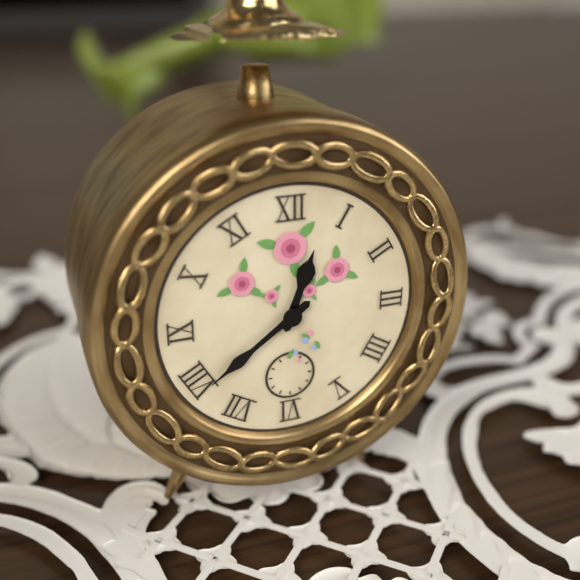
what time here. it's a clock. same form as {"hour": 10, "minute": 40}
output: {"hour": 12, "minute": 39}
